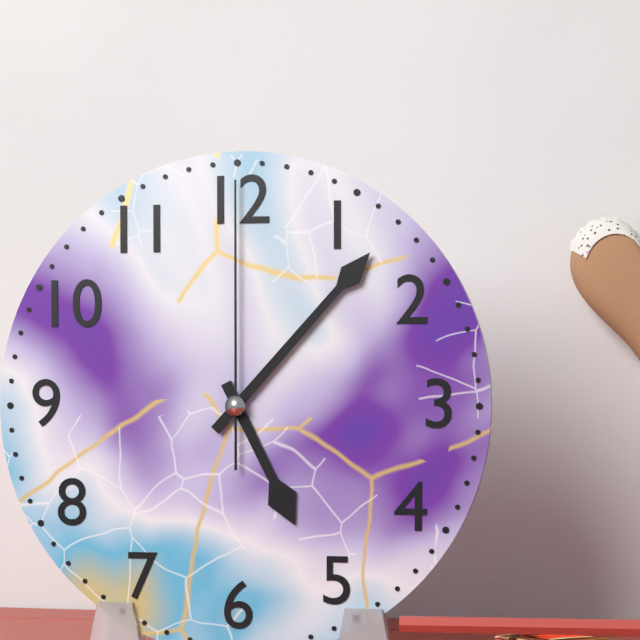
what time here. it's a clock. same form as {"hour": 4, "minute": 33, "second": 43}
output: {"hour": 5, "minute": 7, "second": 0}
